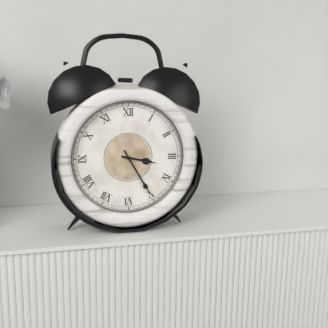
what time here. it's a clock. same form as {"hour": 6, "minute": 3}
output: {"hour": 3, "minute": 25}
